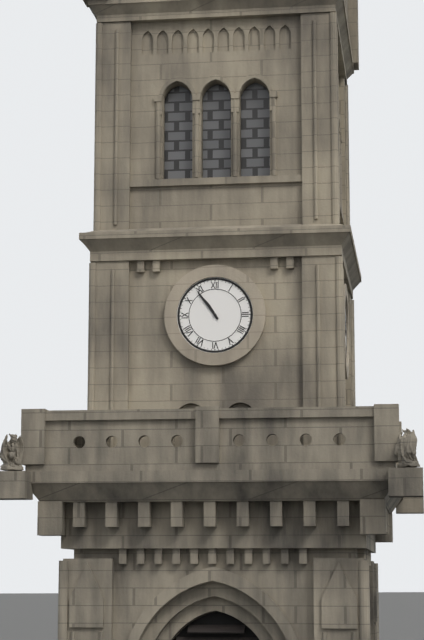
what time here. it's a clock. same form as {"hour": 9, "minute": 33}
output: {"hour": 10, "minute": 54}
